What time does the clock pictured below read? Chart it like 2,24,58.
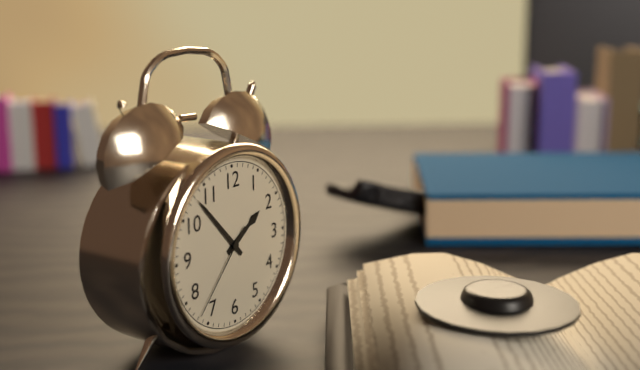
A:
1,53,37
